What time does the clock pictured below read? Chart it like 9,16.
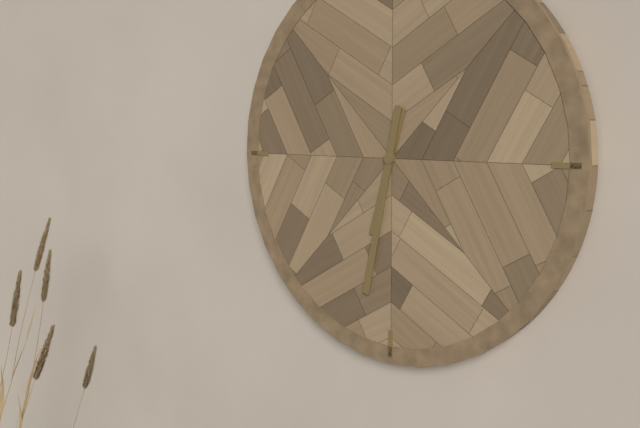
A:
6,32
